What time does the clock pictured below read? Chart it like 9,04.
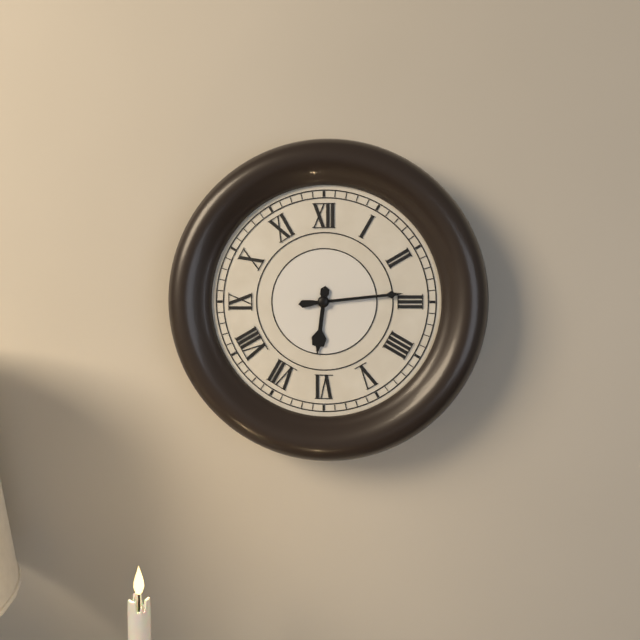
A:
6,14
